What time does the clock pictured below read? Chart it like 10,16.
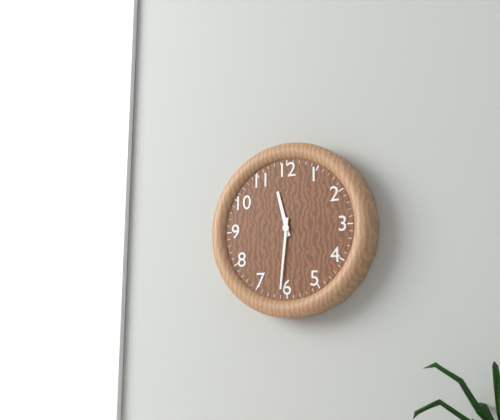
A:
11,31
